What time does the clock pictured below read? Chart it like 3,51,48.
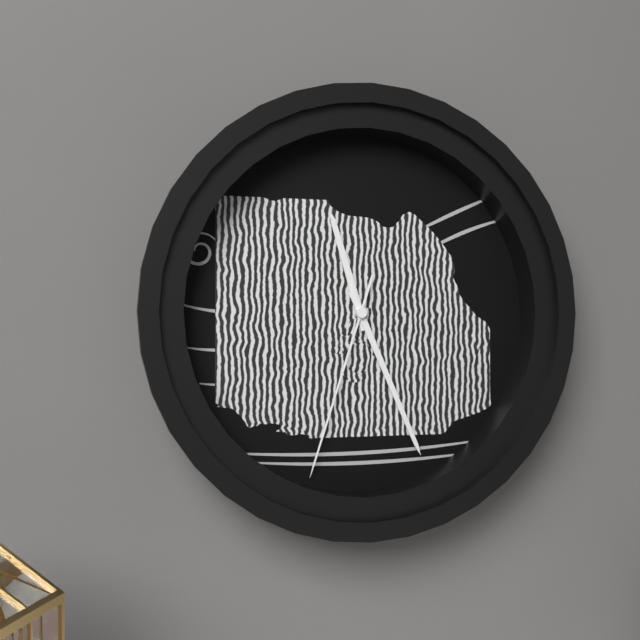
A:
11,26,33
